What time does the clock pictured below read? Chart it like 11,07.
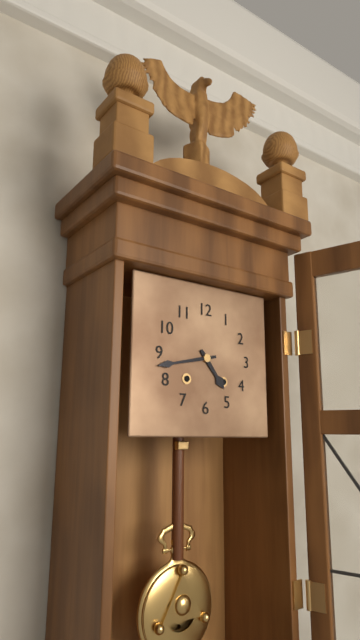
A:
4,43
